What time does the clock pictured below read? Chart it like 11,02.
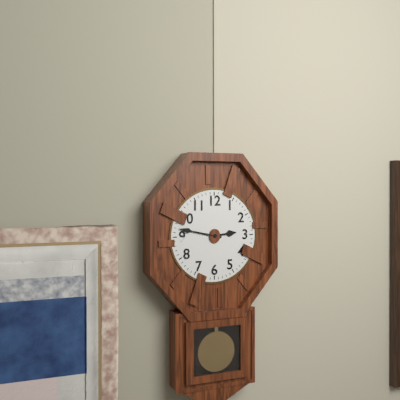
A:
2,47
